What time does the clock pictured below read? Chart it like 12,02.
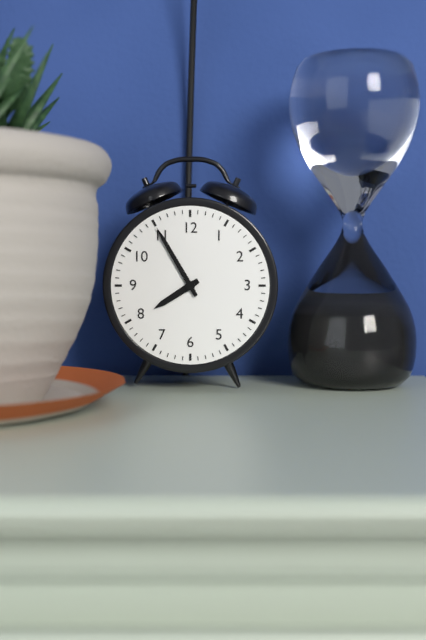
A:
7,55
